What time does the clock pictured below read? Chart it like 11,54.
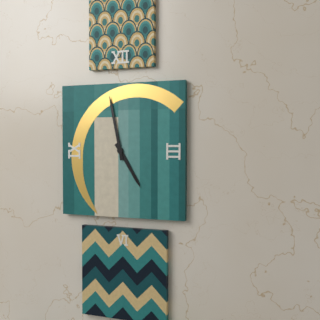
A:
4,58
